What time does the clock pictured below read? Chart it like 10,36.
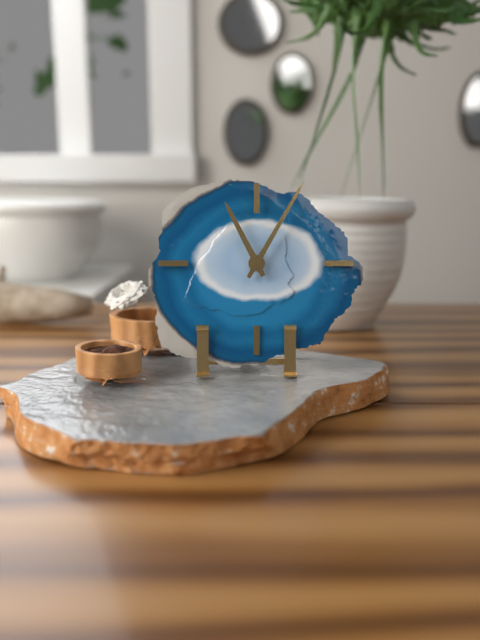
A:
11,05
